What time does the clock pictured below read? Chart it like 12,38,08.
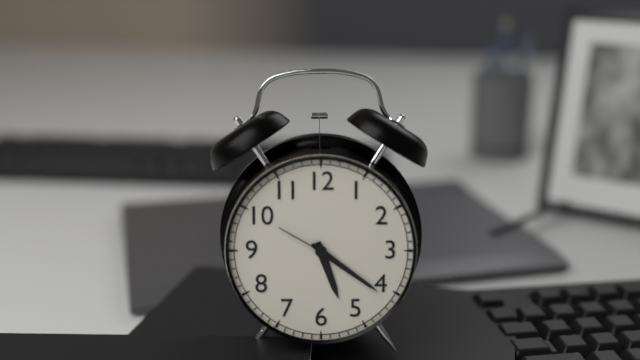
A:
5,21,50
